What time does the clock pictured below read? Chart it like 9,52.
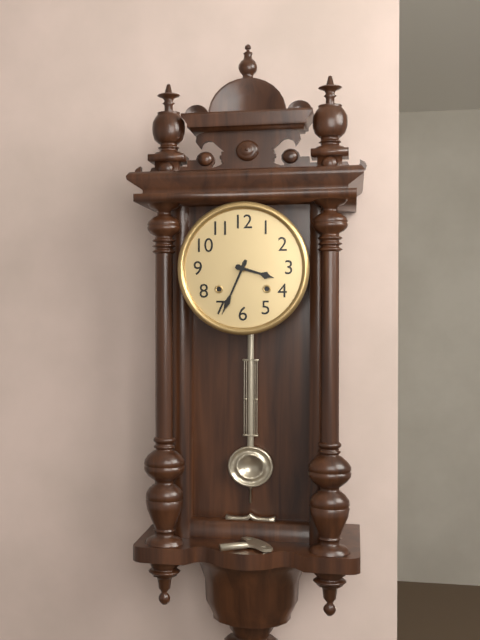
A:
3,34
